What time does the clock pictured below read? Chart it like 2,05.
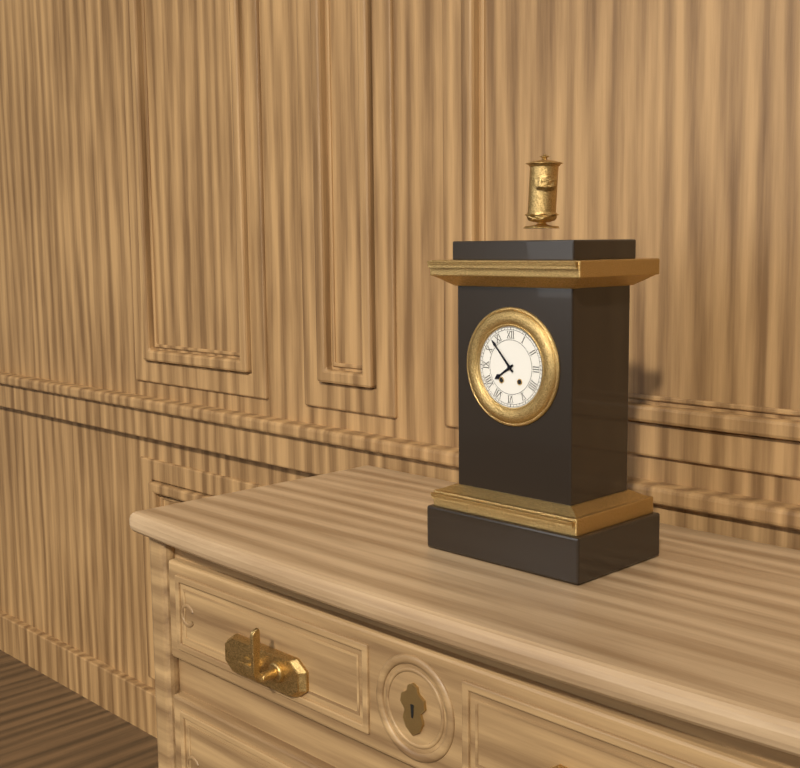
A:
7,53
